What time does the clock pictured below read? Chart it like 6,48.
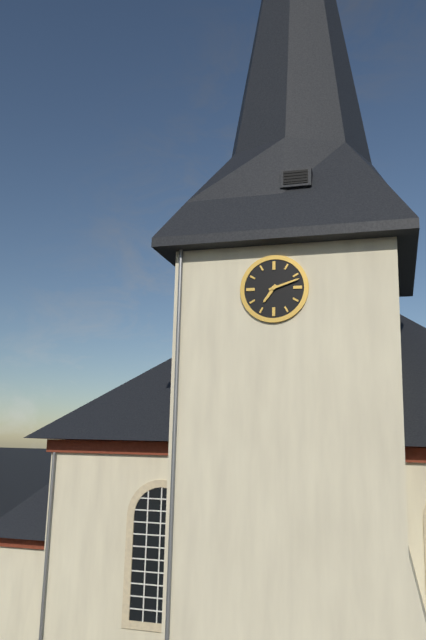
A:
7,12
